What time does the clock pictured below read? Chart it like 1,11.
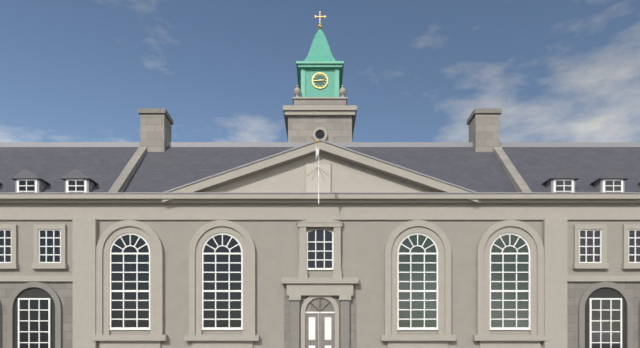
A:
2,44
